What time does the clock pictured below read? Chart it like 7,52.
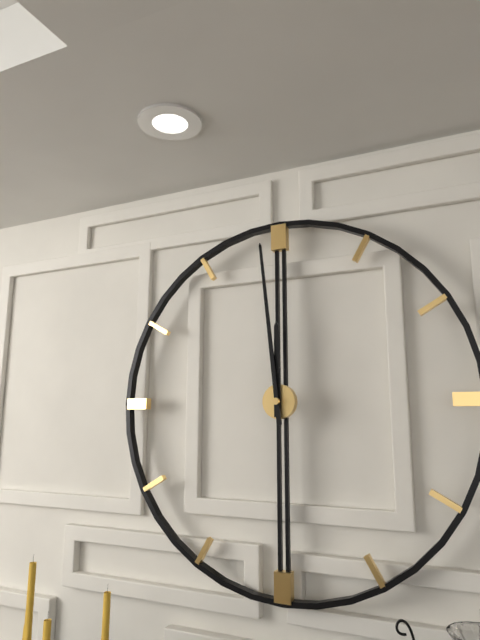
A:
11,59
